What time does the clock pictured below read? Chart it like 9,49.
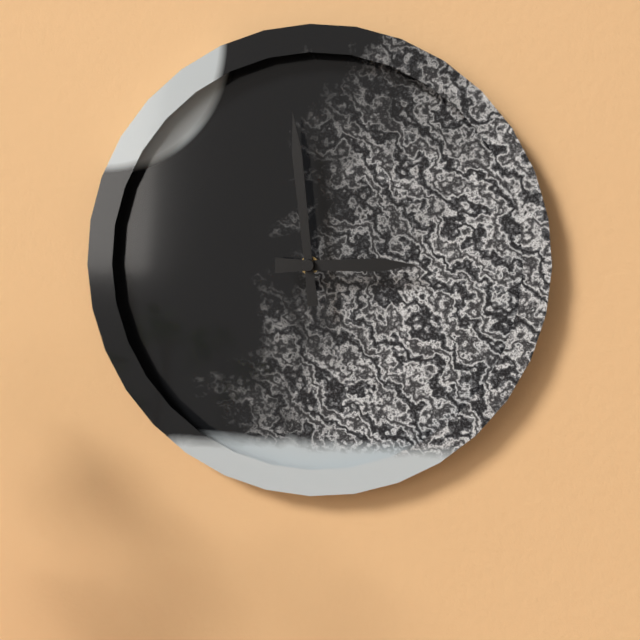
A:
2,59
